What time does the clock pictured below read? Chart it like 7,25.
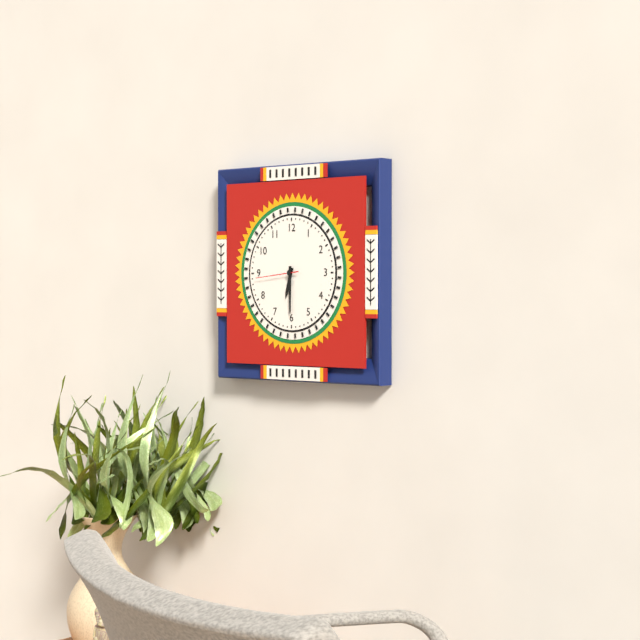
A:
6,30
